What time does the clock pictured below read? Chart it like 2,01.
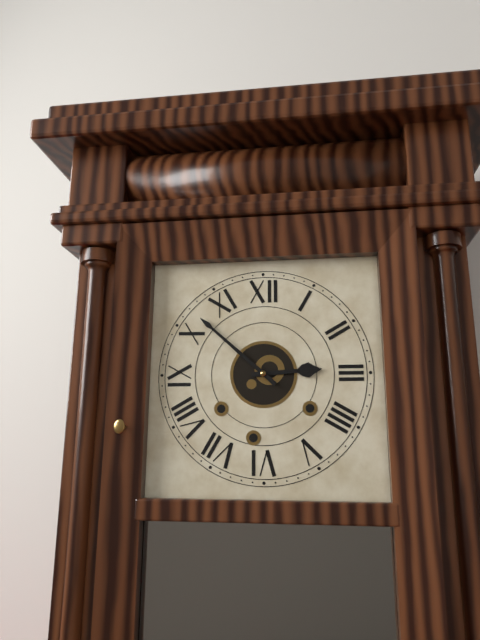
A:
2,52
